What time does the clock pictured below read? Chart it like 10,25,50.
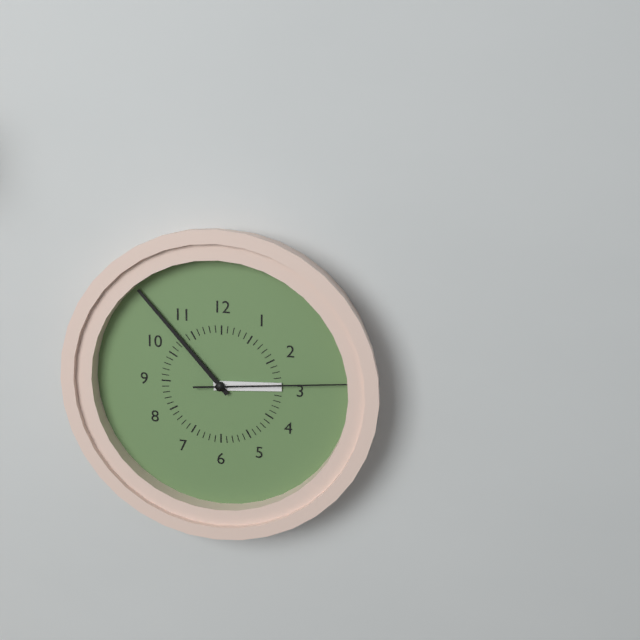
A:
2,53,14
